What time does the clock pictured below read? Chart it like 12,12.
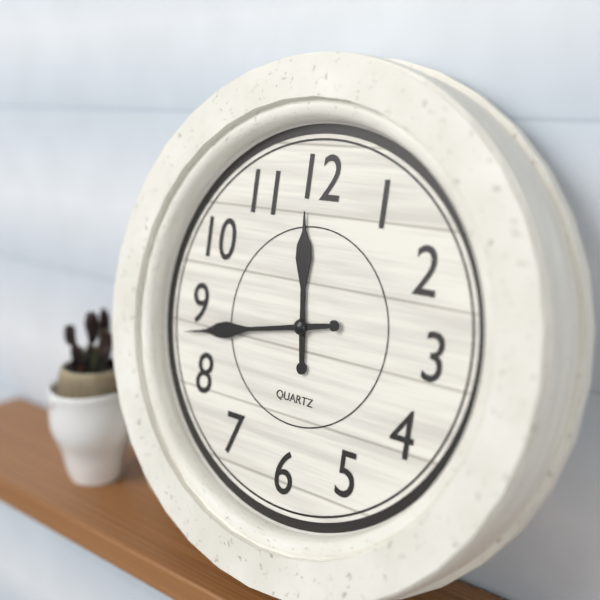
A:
11,43
